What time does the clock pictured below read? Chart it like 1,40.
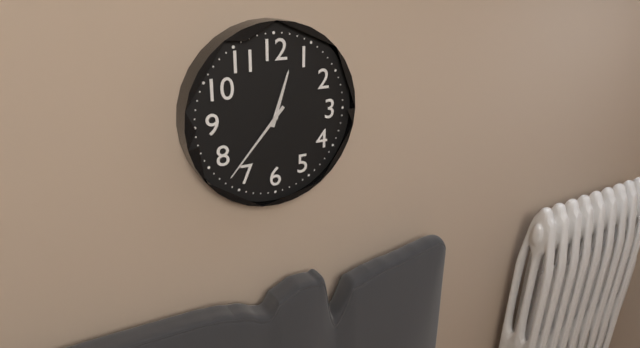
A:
12,37
